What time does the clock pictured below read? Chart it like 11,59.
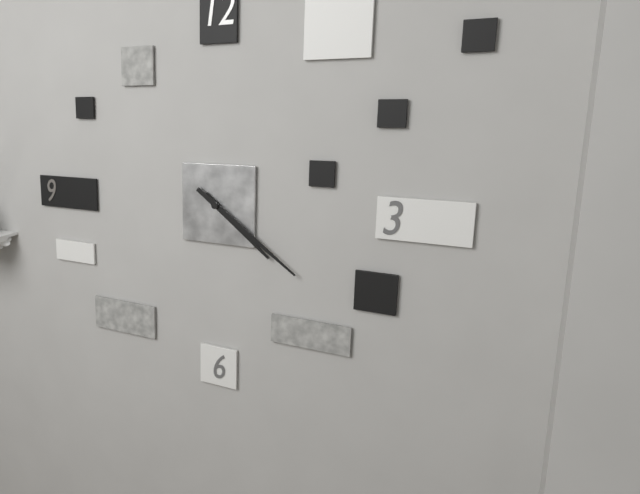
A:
4,21
